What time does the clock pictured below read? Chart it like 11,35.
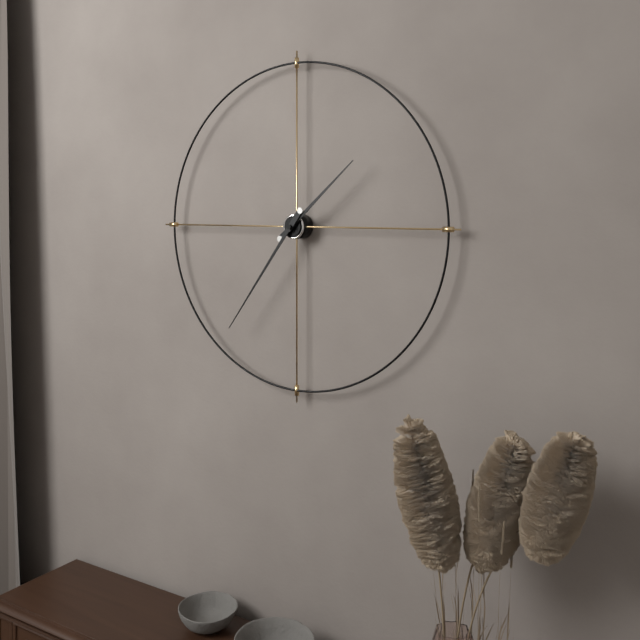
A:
1,36
